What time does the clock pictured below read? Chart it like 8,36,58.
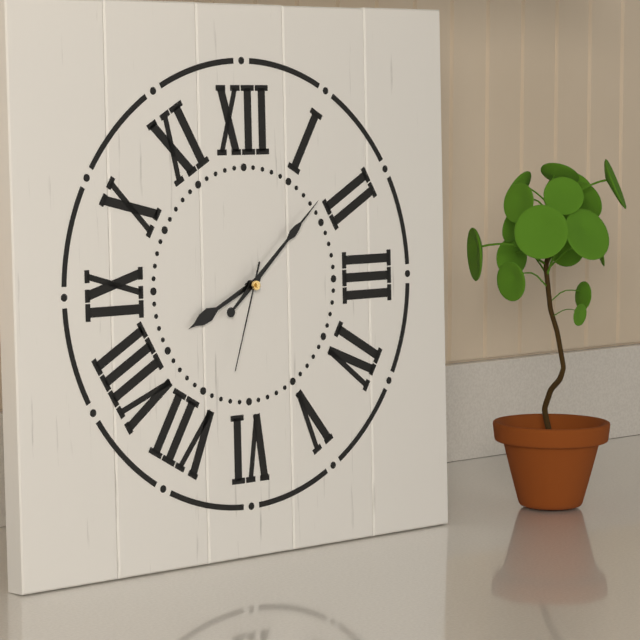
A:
8,08,33
